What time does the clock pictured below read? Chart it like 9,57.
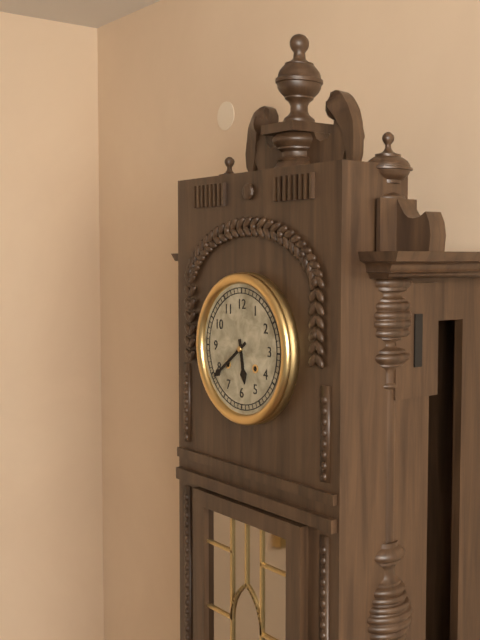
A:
5,39
